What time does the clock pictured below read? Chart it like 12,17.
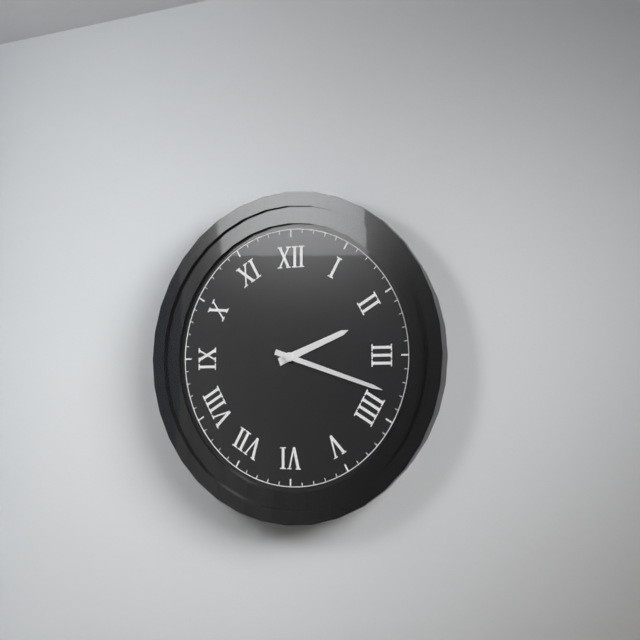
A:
2,18
